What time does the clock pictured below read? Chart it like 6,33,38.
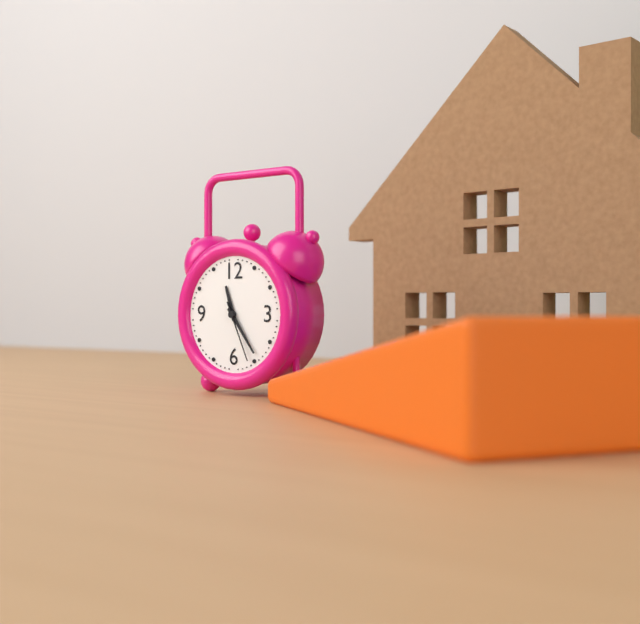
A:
11,24,26
